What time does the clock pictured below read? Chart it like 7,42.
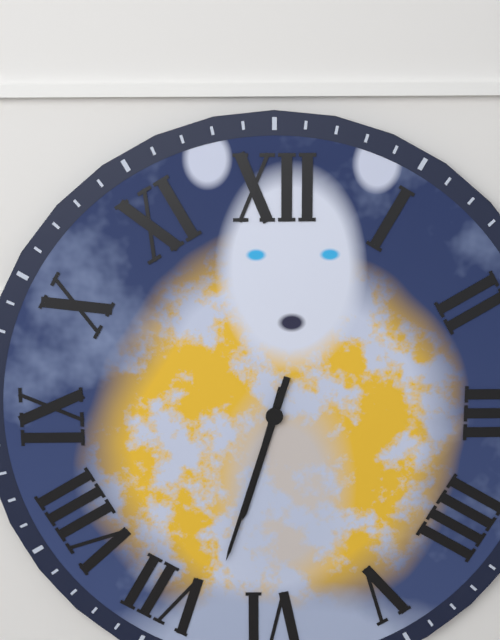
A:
6,33
